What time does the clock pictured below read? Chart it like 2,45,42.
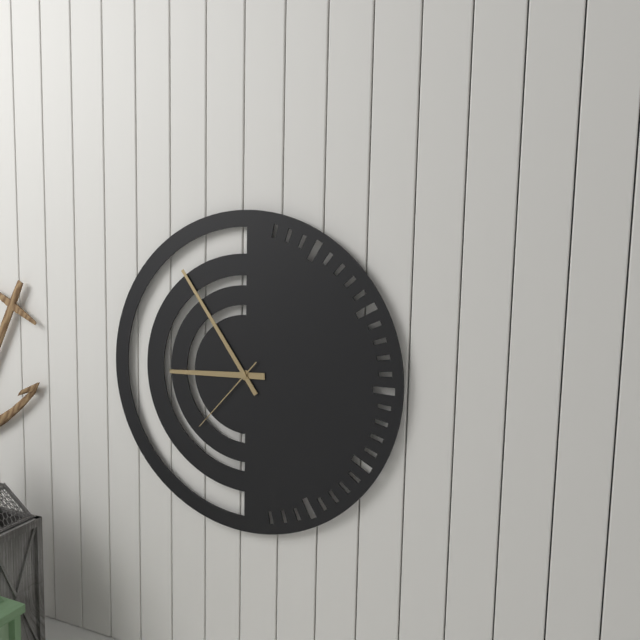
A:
8,54,37
